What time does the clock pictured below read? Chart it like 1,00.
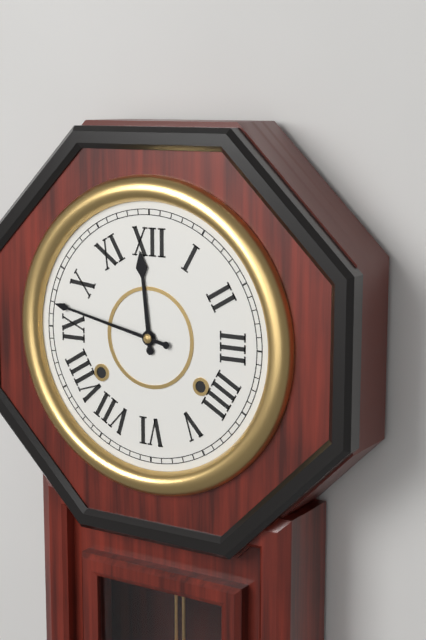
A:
11,47
